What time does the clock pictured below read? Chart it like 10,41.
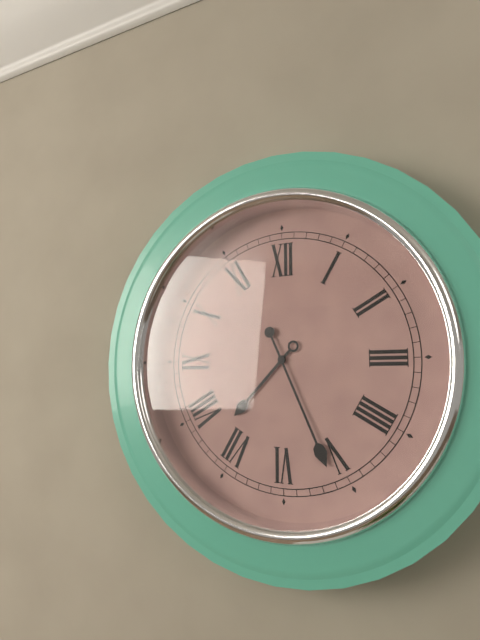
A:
7,26
